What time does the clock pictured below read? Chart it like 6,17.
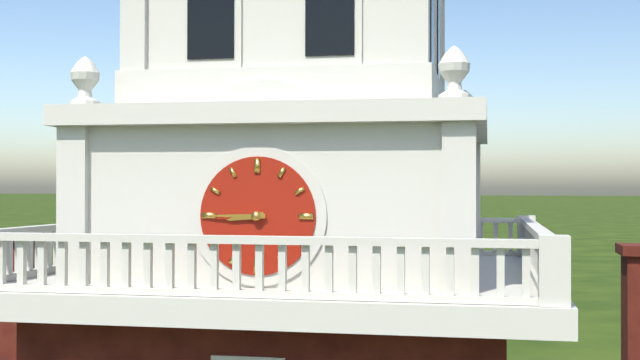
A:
8,45
